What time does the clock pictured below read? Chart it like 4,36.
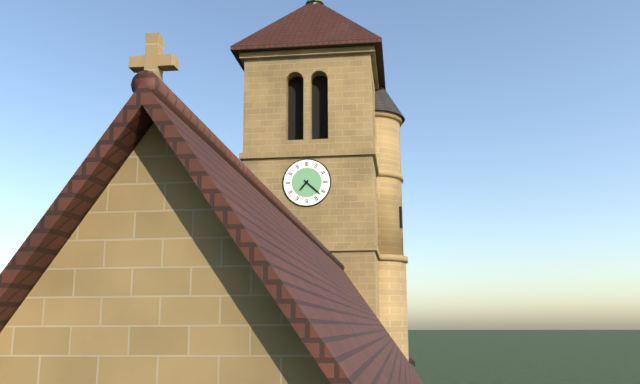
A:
7,22
